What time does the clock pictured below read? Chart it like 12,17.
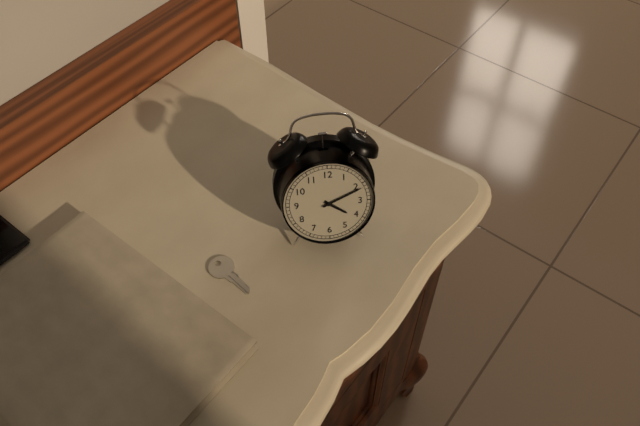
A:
4,11
